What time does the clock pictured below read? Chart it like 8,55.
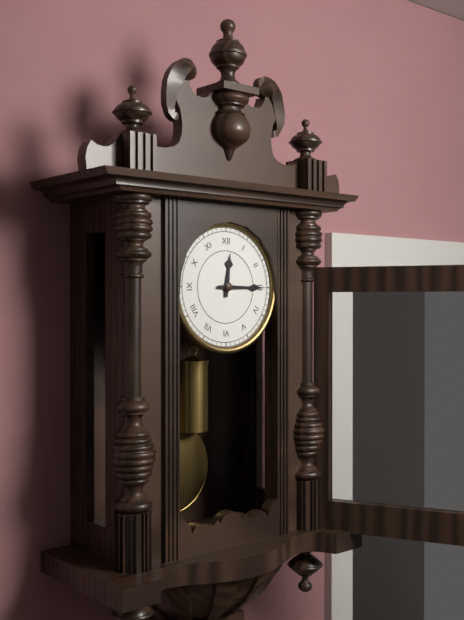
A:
12,15
